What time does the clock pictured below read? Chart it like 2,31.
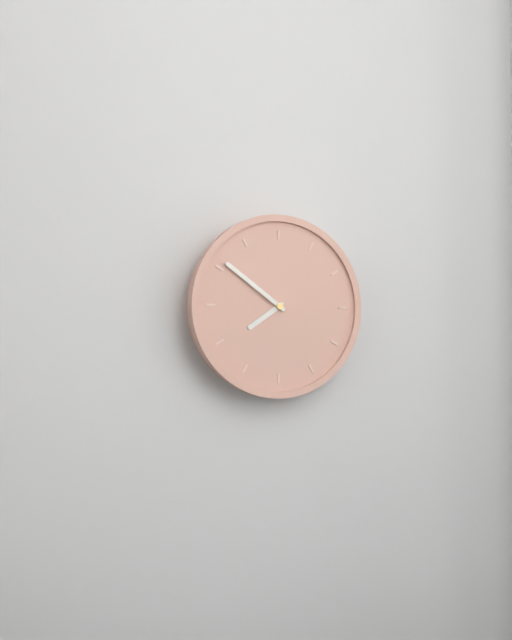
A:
7,51
